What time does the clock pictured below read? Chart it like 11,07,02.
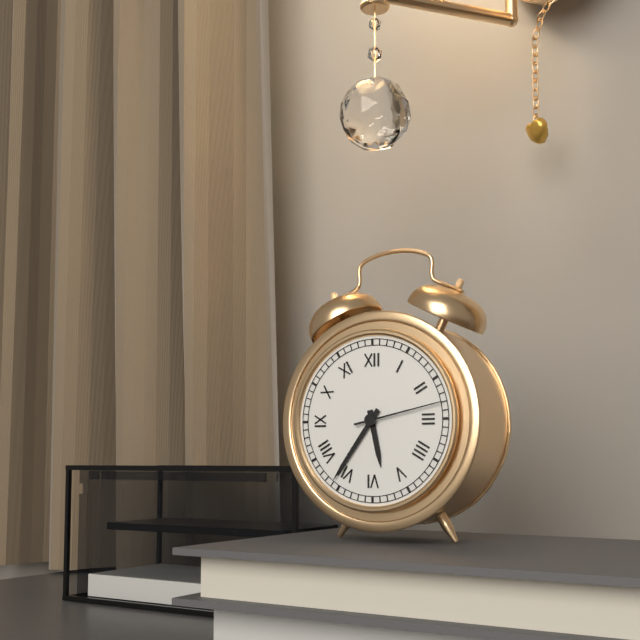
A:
5,36,13
